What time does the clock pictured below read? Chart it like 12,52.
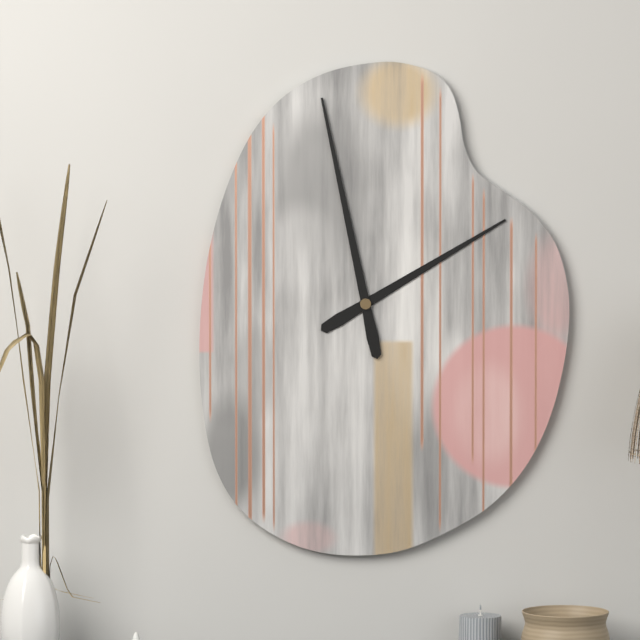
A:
1,58
